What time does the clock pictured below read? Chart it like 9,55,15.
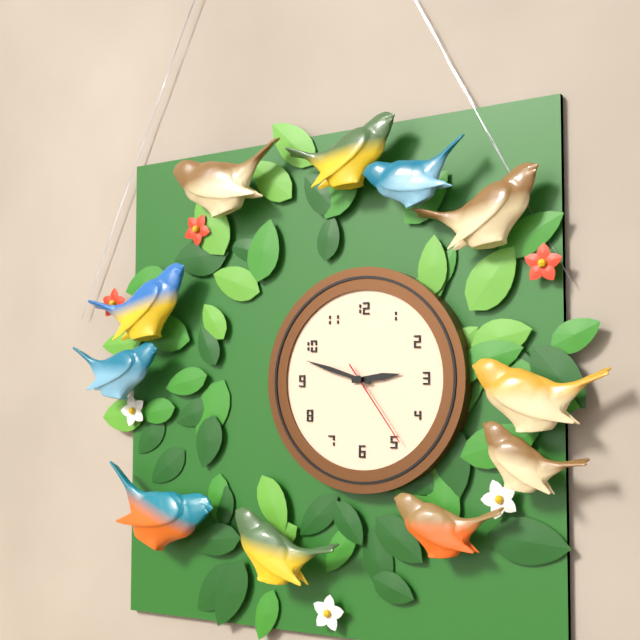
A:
2,48,24
